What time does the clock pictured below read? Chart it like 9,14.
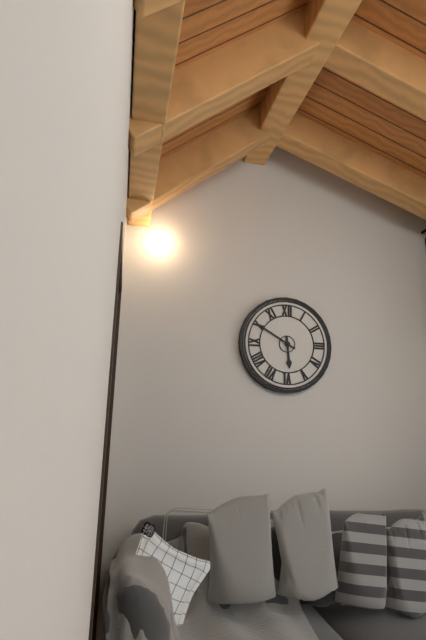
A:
5,50
